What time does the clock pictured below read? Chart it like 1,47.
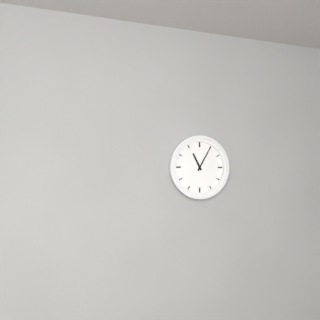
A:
11,05
